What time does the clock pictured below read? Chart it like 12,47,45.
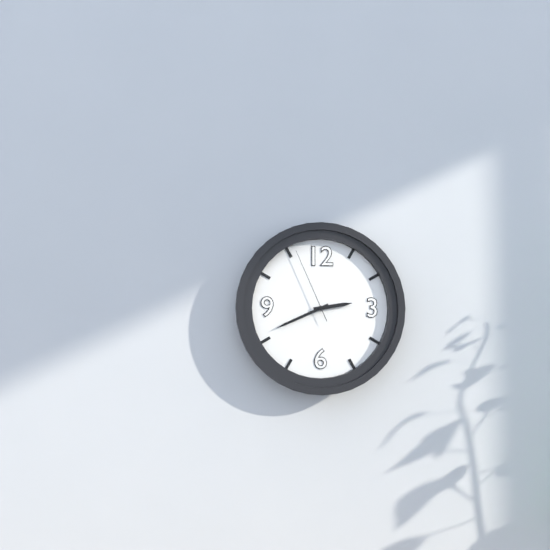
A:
2,41,56
